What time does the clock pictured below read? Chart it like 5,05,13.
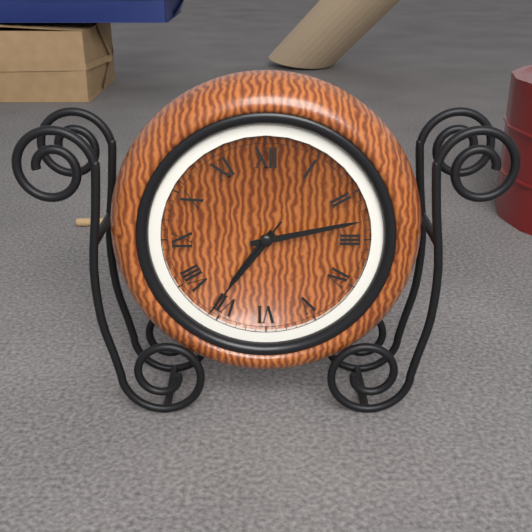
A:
7,13,36
